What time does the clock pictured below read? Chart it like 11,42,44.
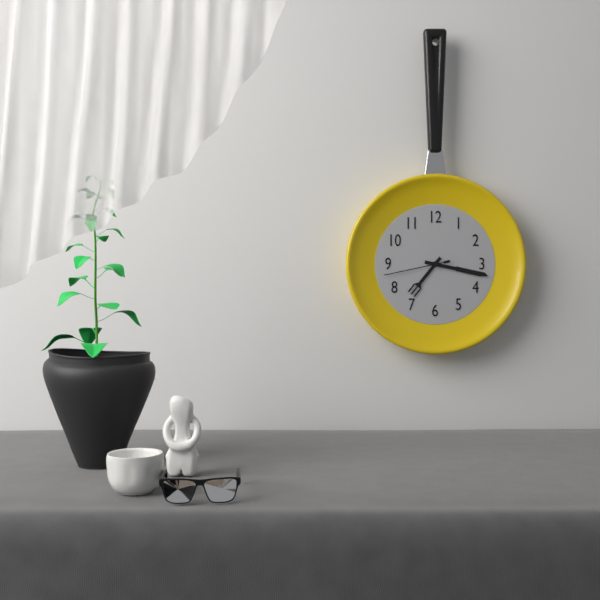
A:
7,17,43
